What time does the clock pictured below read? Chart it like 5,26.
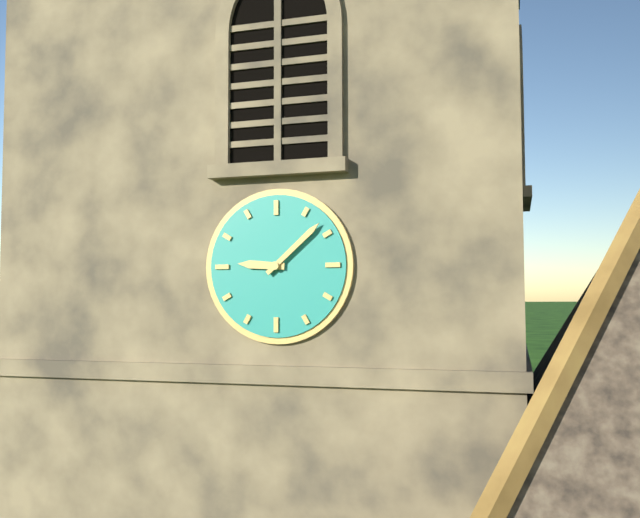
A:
9,08
